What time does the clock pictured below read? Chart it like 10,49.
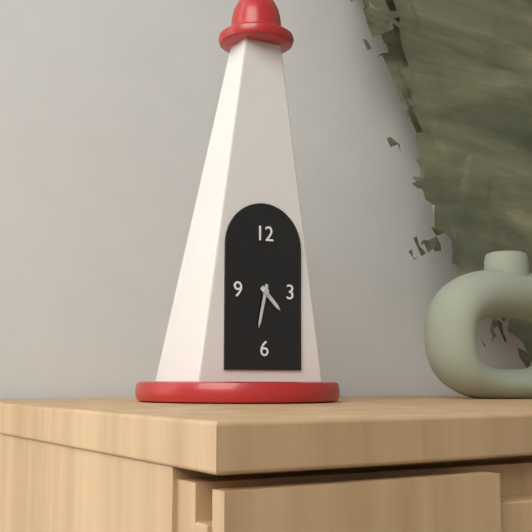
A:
4,32
